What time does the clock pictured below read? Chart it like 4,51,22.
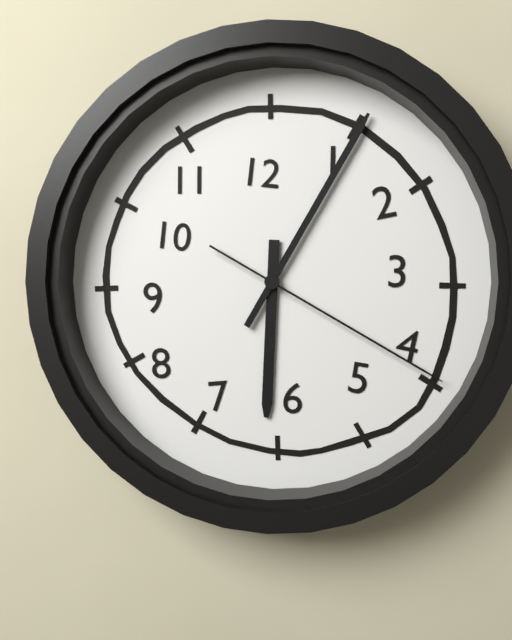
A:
6,05,20
